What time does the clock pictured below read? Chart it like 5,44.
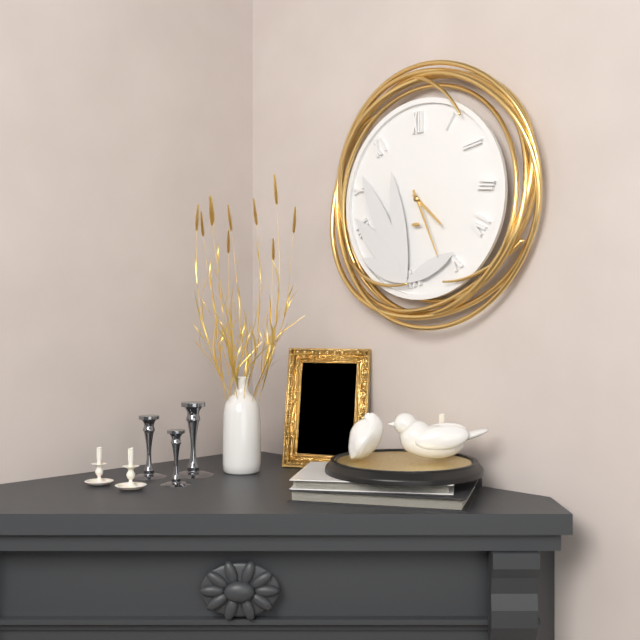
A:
4,26
